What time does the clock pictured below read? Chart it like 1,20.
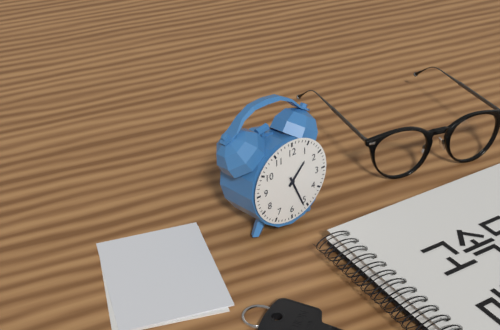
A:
1,26
